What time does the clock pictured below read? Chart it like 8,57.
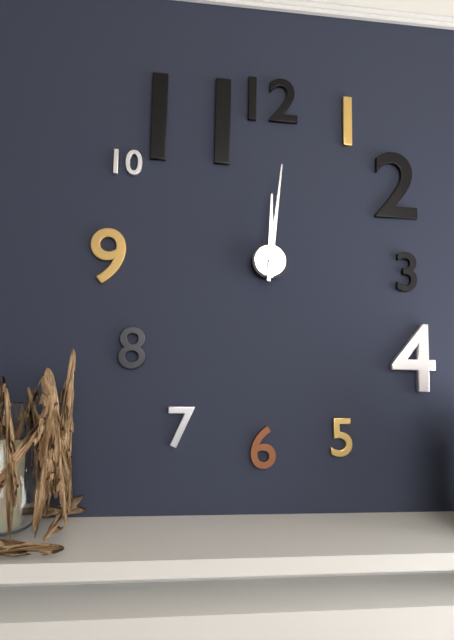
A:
12,01
